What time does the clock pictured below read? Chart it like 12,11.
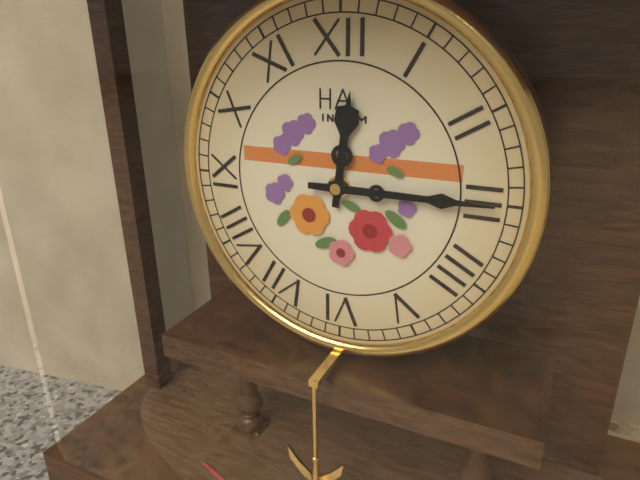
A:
12,15
